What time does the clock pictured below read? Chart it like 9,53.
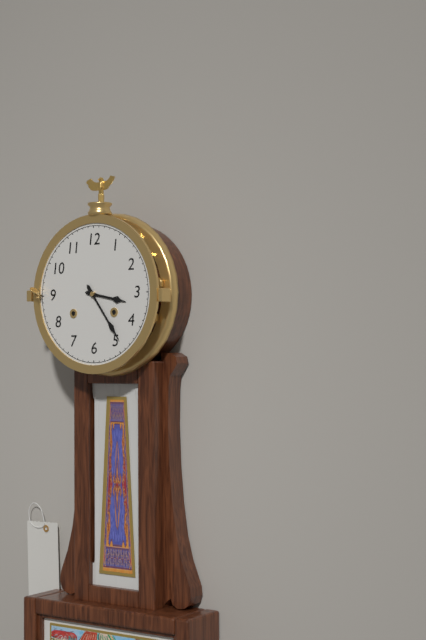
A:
3,24
